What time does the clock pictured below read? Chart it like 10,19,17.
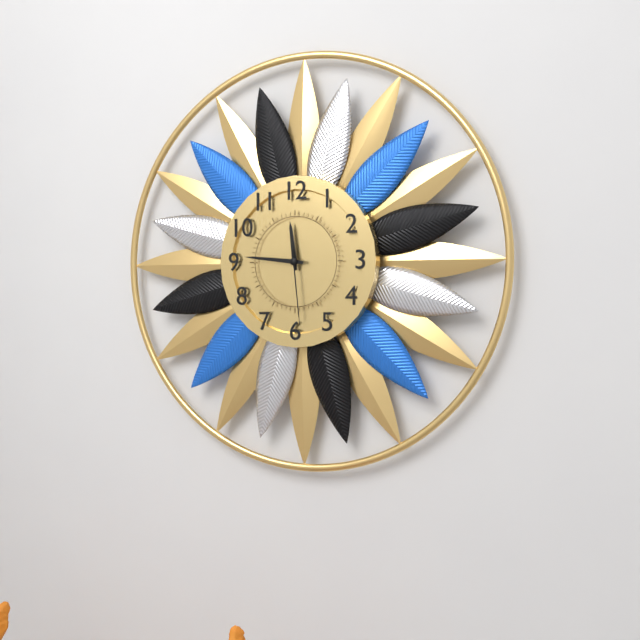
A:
11,46,29
